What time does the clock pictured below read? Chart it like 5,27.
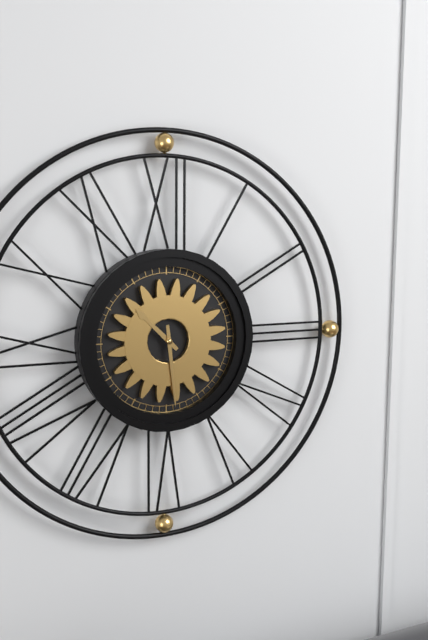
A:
10,29
